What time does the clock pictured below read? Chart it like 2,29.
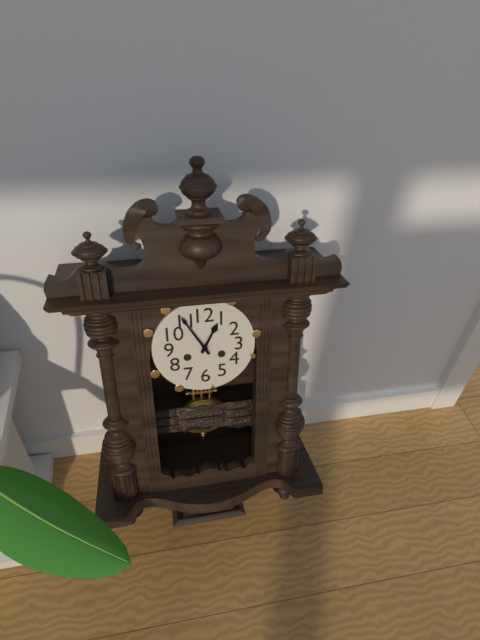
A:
12,55
